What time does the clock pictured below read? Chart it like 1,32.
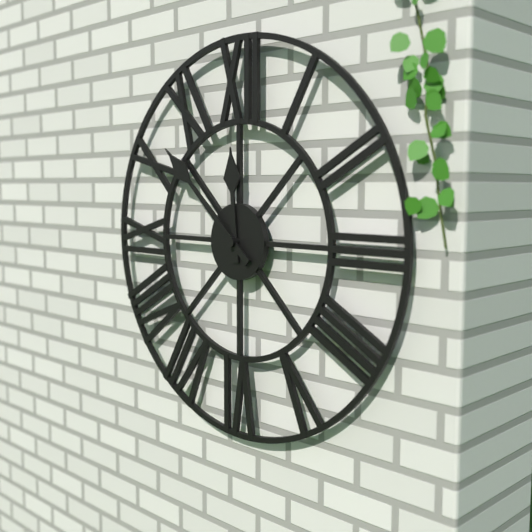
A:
11,52
